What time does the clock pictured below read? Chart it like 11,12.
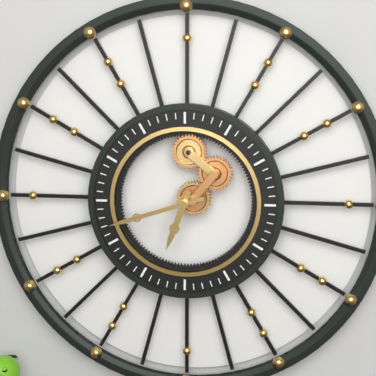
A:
6,42
